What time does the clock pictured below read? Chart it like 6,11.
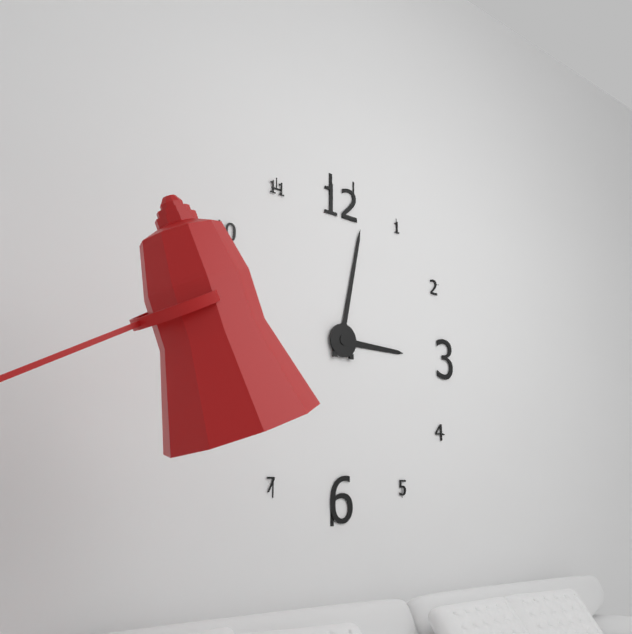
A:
3,02
